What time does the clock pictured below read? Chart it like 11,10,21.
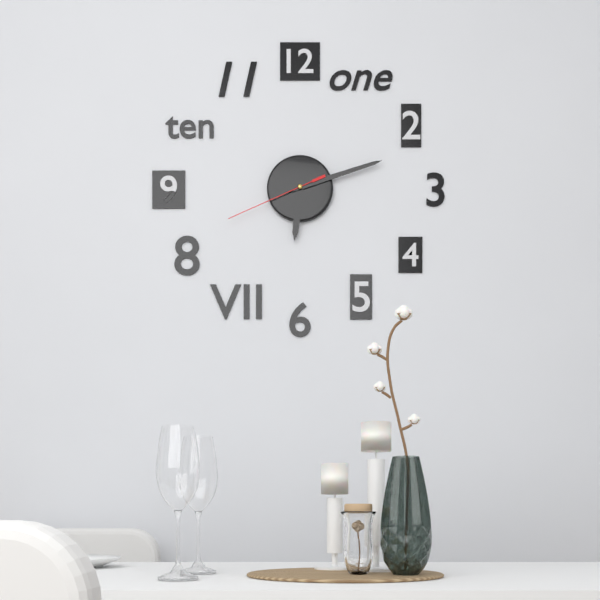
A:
6,12,41
